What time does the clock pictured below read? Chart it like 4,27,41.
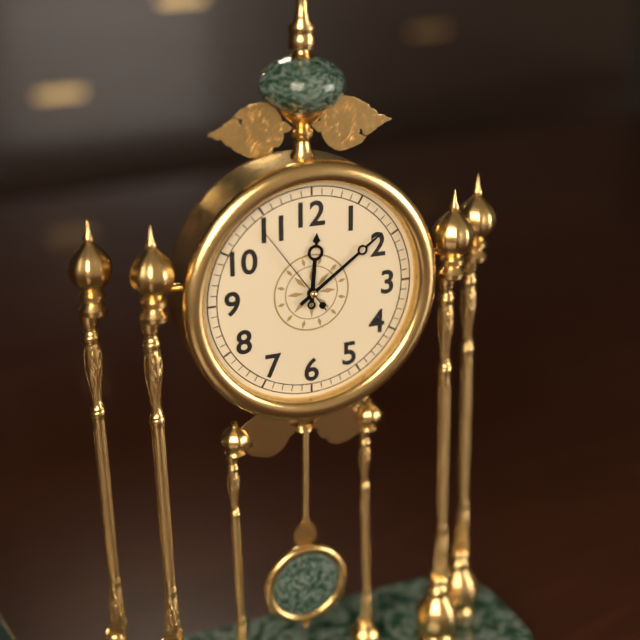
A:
12,09,54
